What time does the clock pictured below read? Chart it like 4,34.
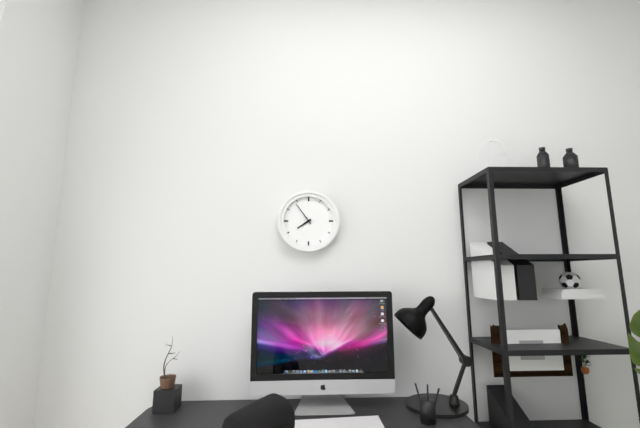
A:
7,54
